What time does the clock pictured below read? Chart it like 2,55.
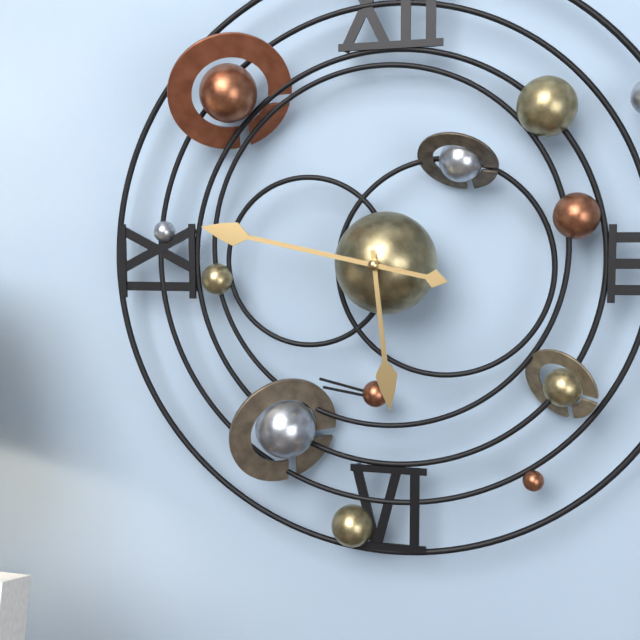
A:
5,47
